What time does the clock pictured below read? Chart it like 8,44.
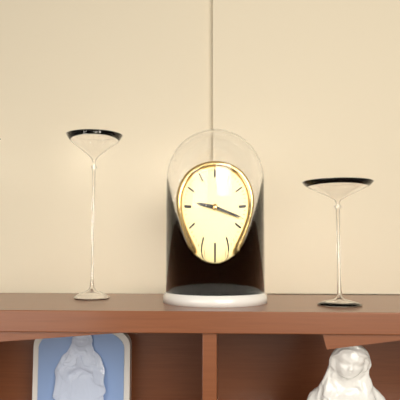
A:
9,18
